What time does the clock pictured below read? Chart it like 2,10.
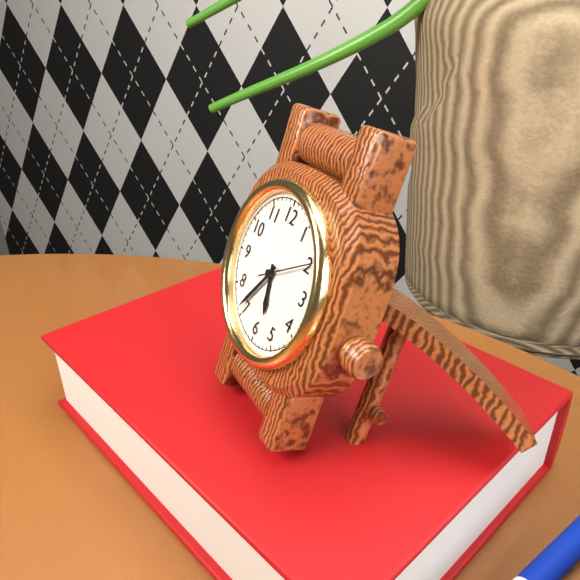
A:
5,36
